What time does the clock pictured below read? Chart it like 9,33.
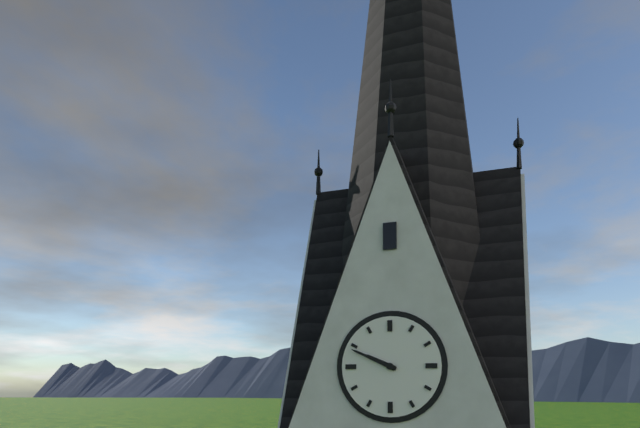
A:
9,49
